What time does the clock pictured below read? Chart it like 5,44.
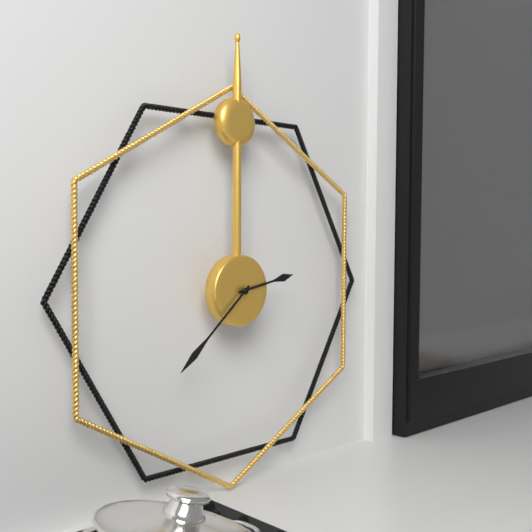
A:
2,38
